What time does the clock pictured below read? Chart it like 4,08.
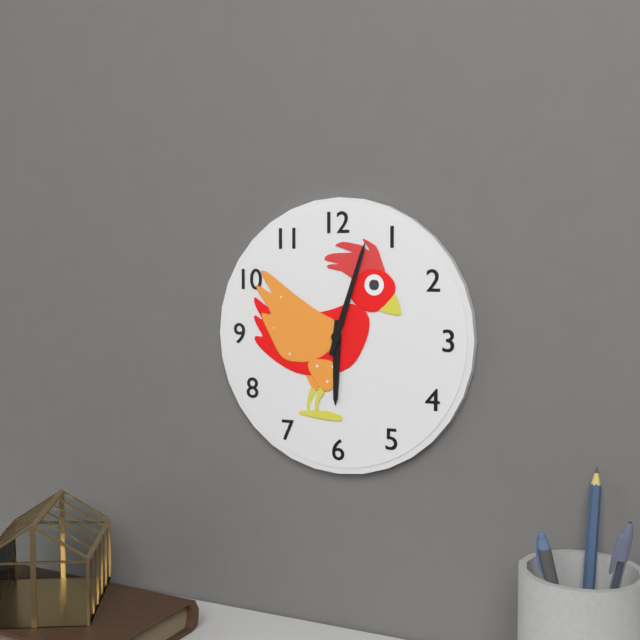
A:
6,03
